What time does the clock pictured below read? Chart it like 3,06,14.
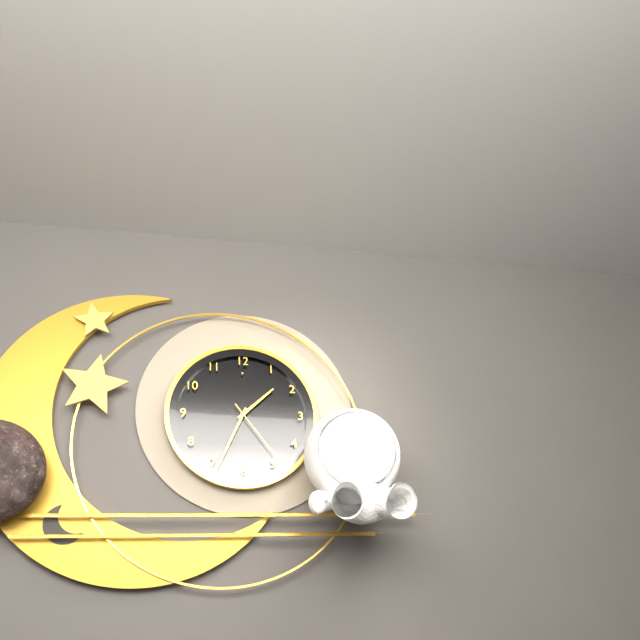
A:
1,34,24
